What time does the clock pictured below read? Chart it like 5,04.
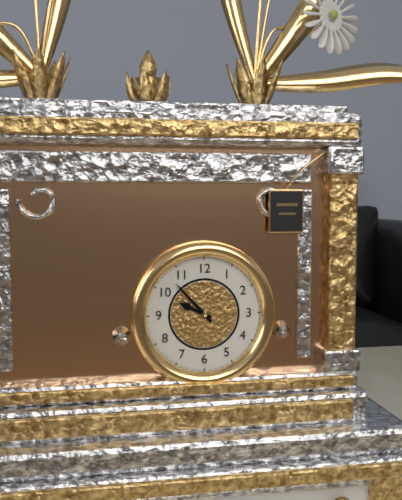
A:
9,53
